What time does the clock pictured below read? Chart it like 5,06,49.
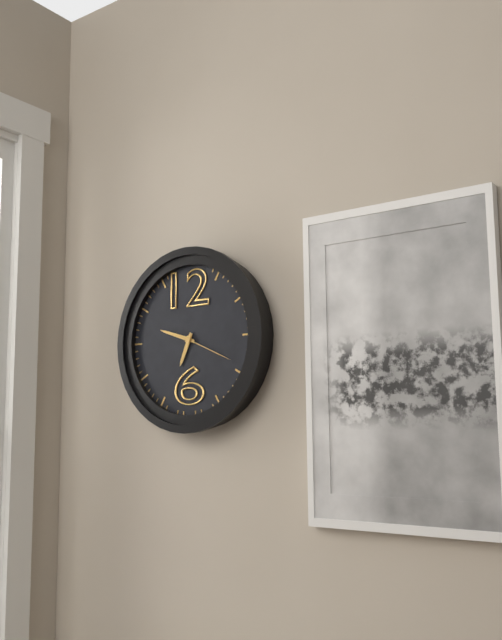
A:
6,48,19
